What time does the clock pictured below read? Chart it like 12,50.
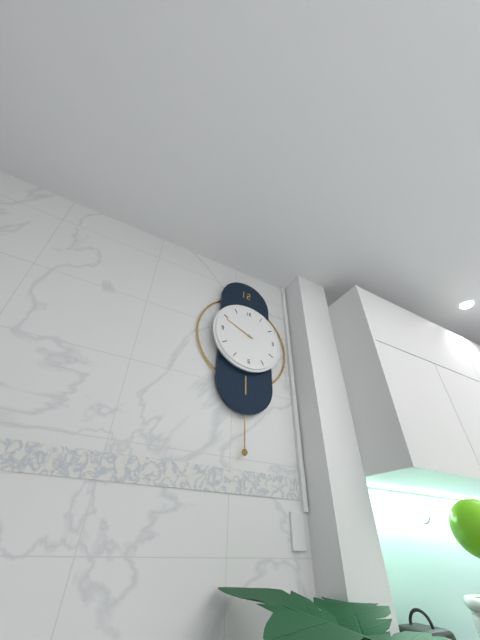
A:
9,49
